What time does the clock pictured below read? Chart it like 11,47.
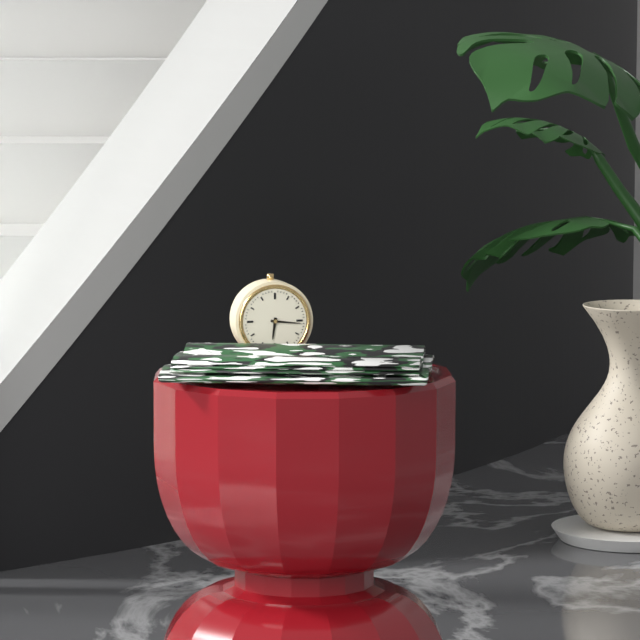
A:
6,16
